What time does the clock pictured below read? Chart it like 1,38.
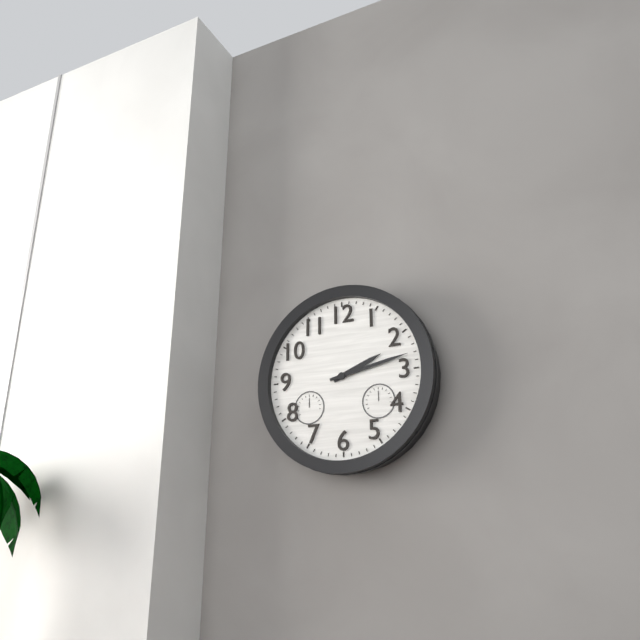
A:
2,13
